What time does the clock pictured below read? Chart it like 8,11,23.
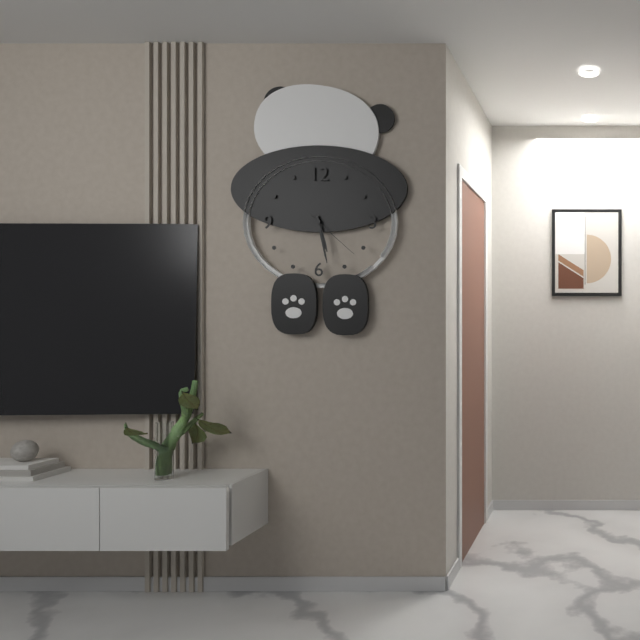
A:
5,28,22
